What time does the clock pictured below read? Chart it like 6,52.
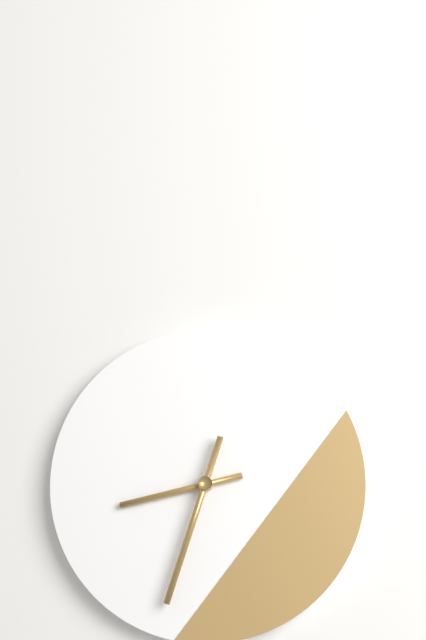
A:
8,33
